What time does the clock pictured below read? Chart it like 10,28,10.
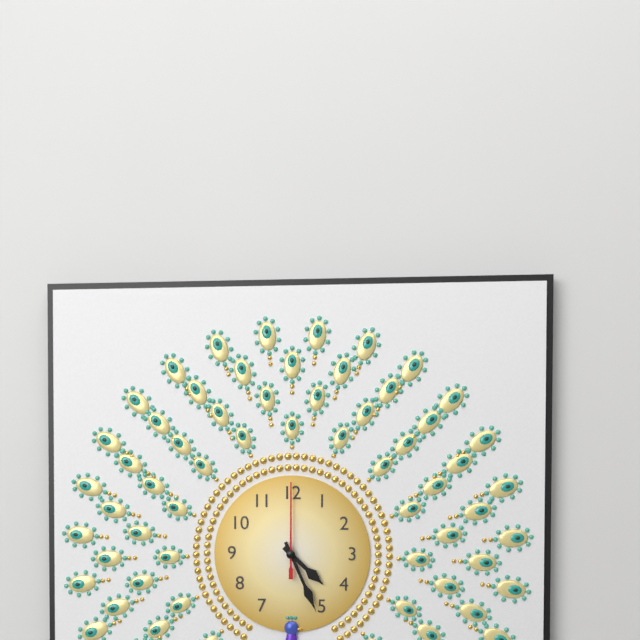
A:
4,26,00
